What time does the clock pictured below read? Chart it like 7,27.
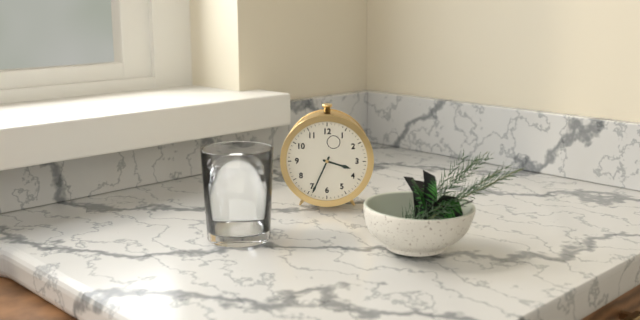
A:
3,34
